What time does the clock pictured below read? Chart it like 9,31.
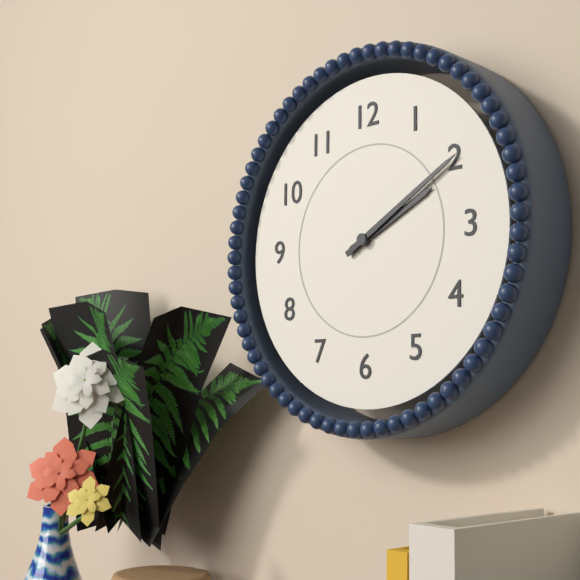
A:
2,10
